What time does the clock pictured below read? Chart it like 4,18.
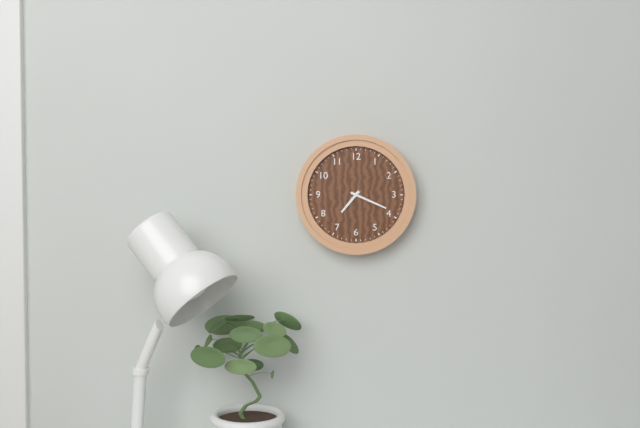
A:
7,19
